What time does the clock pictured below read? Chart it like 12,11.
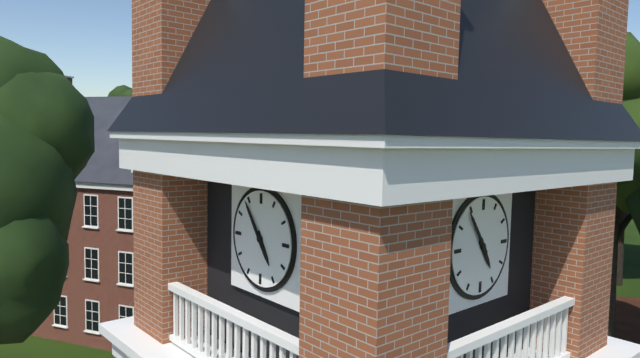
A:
4,54
